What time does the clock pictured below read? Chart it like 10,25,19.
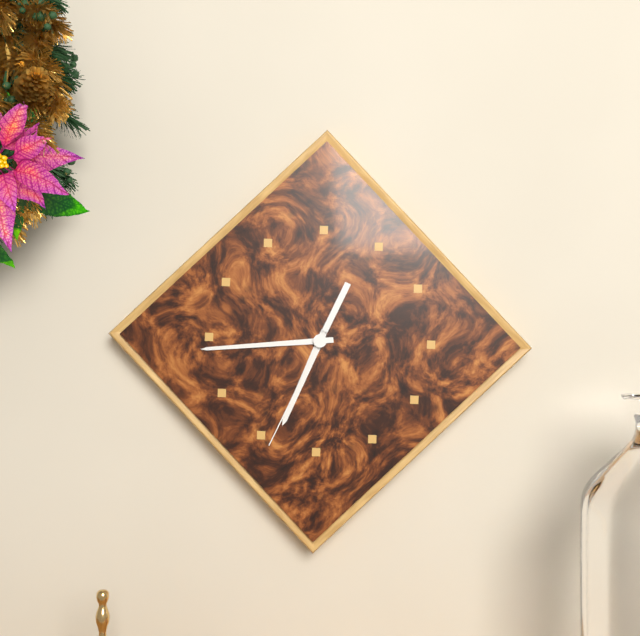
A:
6,44,34
